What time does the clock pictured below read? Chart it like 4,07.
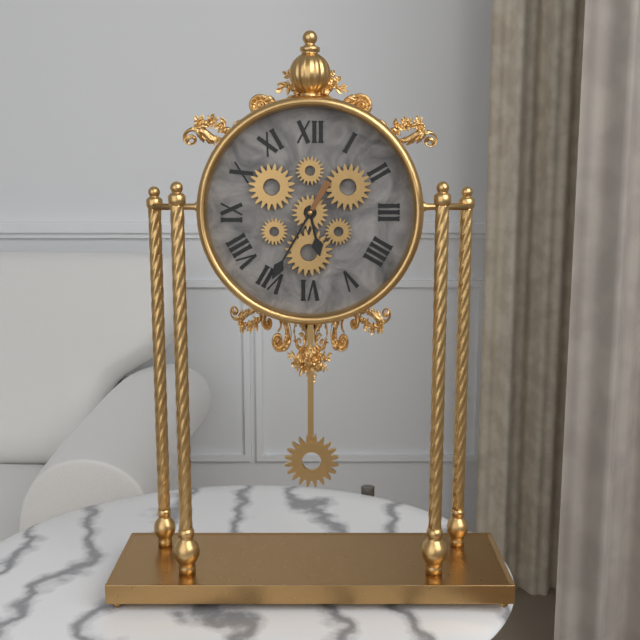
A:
5,35
